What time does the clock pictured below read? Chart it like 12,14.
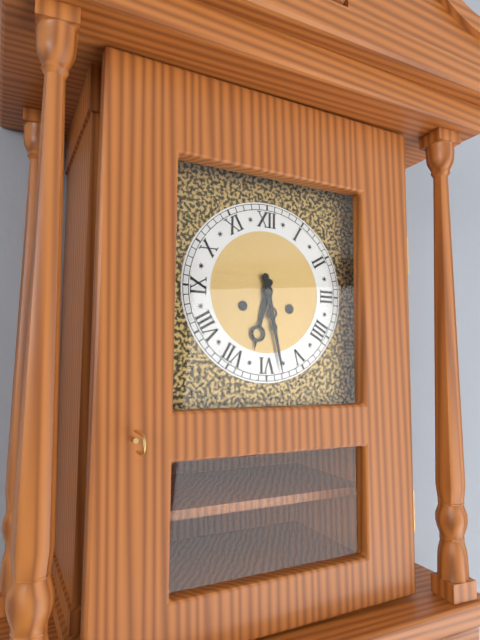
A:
6,28
